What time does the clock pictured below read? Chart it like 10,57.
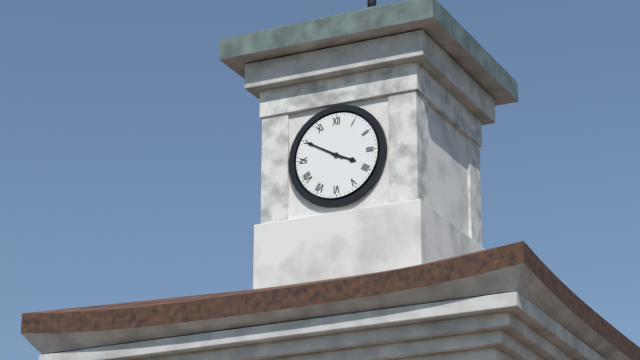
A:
3,50
